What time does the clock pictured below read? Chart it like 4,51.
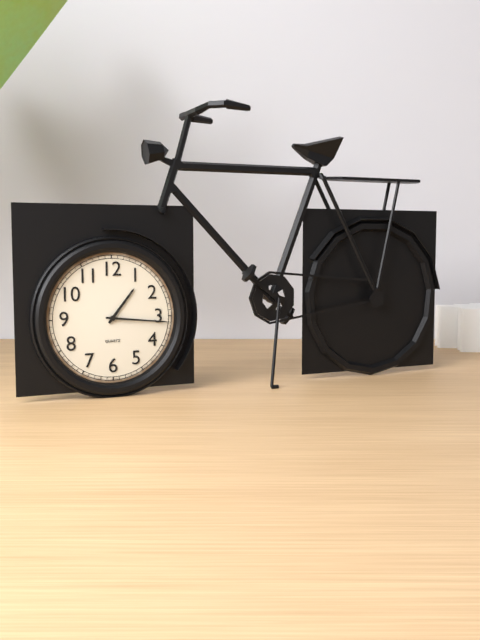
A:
1,16
